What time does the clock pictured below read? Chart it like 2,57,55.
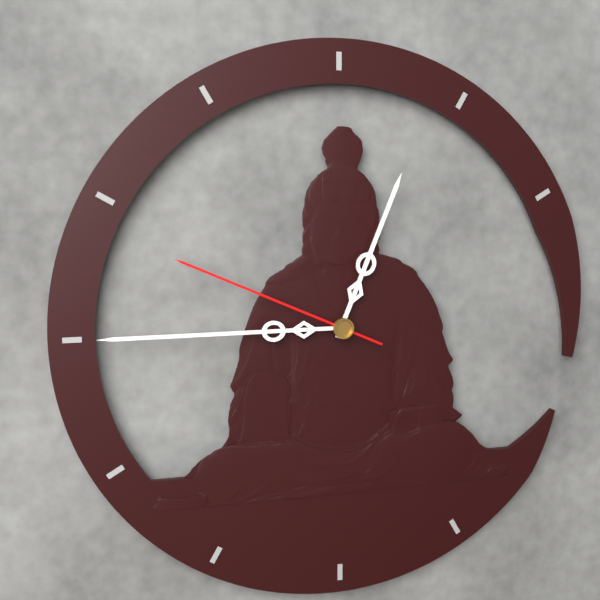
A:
12,45,49
